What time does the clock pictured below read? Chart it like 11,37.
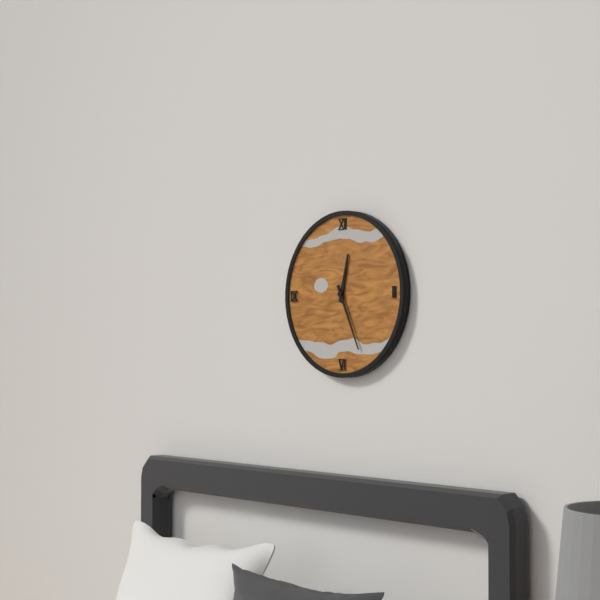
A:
12,26
